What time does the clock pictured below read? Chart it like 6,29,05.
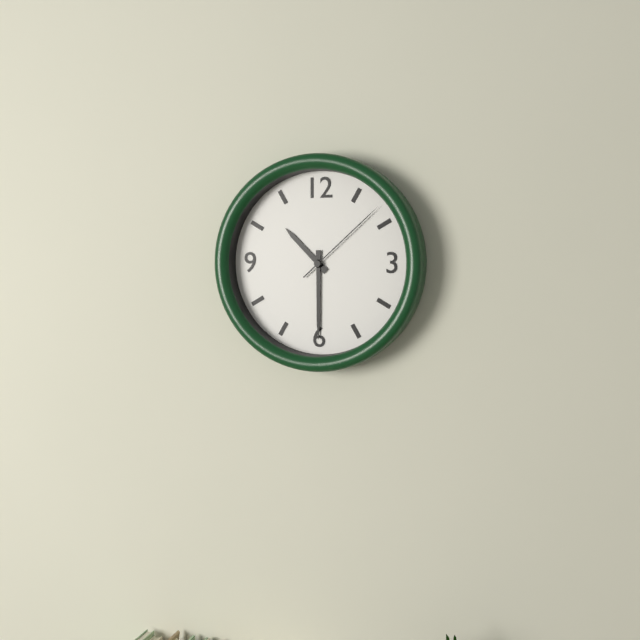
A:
10,30,08
